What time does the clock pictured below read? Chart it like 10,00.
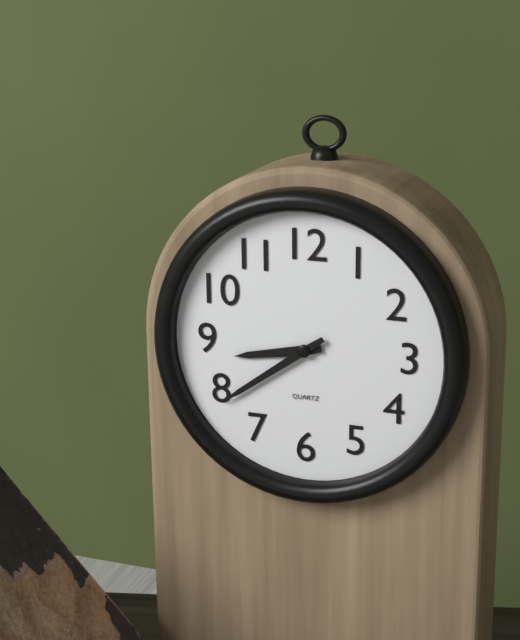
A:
8,39
